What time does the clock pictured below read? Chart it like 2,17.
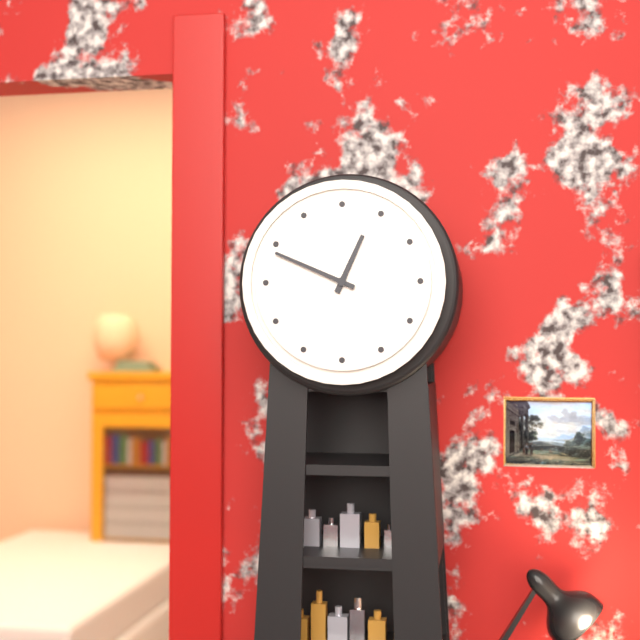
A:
12,49
